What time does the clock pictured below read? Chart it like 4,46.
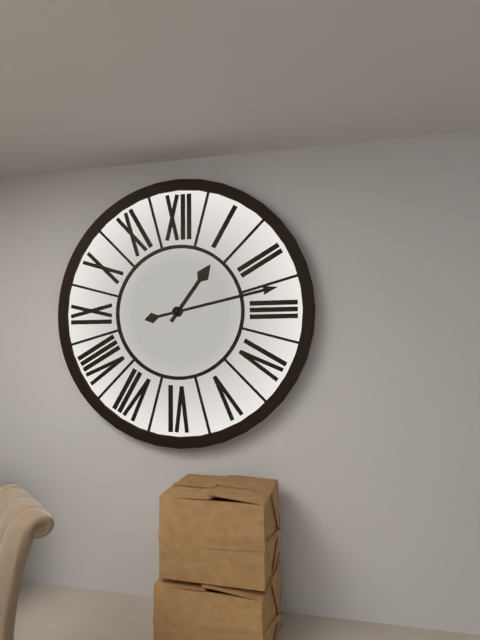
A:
1,13
